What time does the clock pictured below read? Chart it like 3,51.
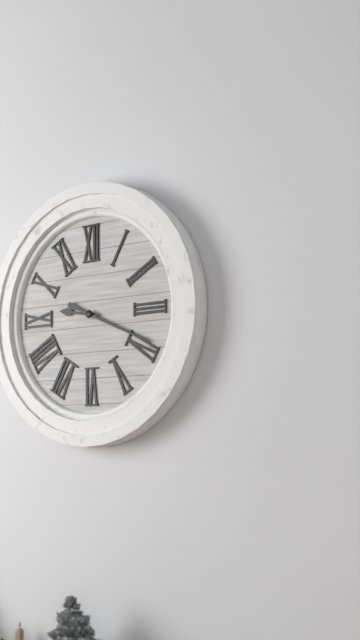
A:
9,19
